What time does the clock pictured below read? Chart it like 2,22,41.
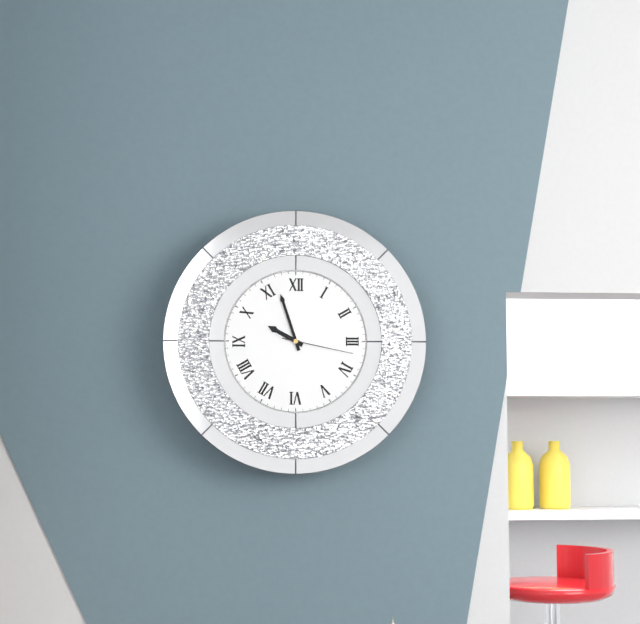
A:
9,57,17
